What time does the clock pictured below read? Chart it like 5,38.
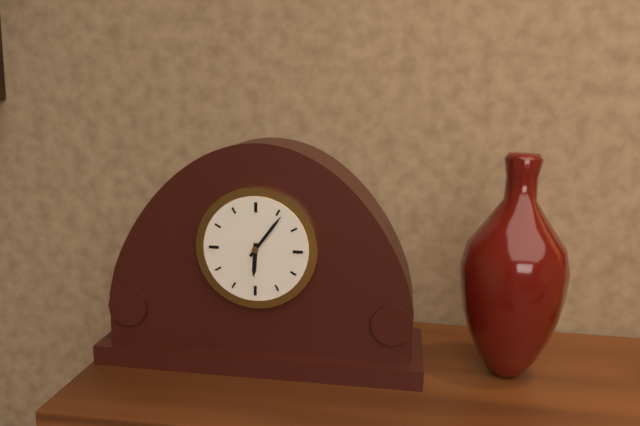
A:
6,06
